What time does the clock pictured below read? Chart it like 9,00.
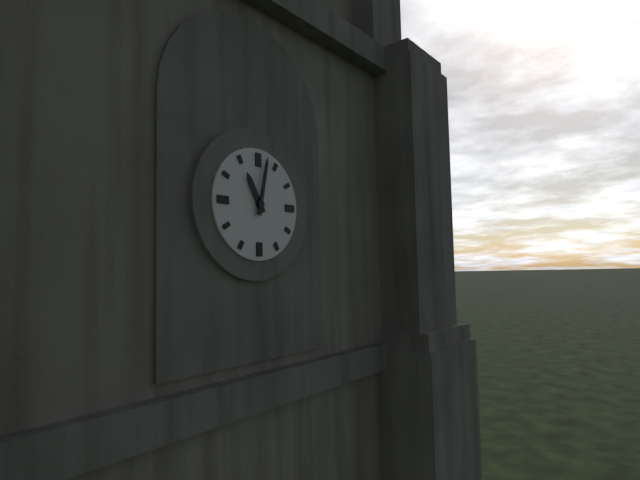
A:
11,02
